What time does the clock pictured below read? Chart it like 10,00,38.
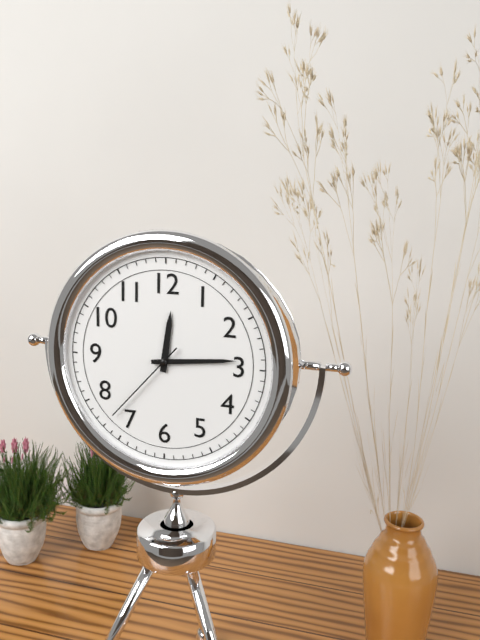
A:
12,14,37
